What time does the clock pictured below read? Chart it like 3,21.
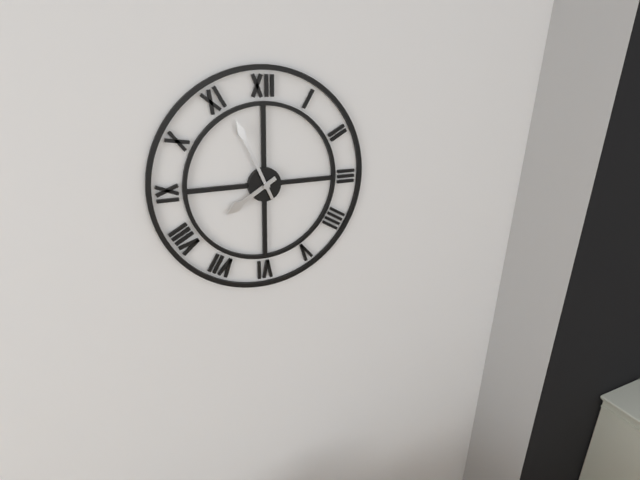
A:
7,56
